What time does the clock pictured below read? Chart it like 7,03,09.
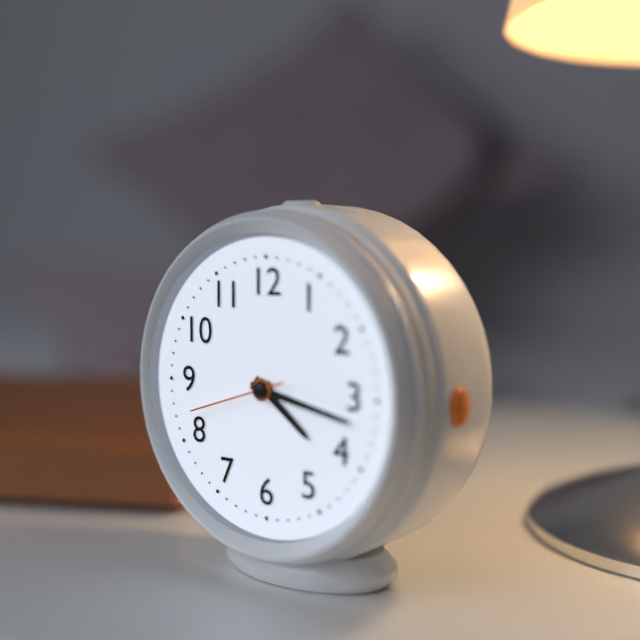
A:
4,17,42
